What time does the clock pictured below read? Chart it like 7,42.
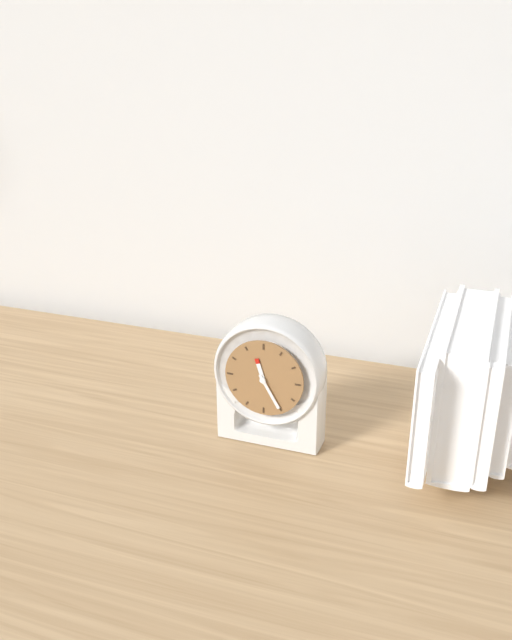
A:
11,25
